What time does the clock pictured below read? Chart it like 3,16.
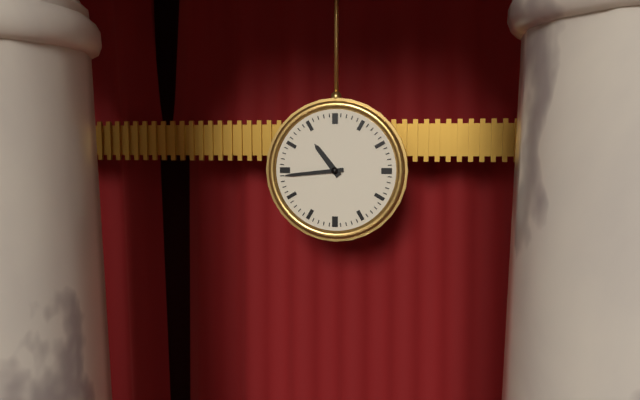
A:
10,44
